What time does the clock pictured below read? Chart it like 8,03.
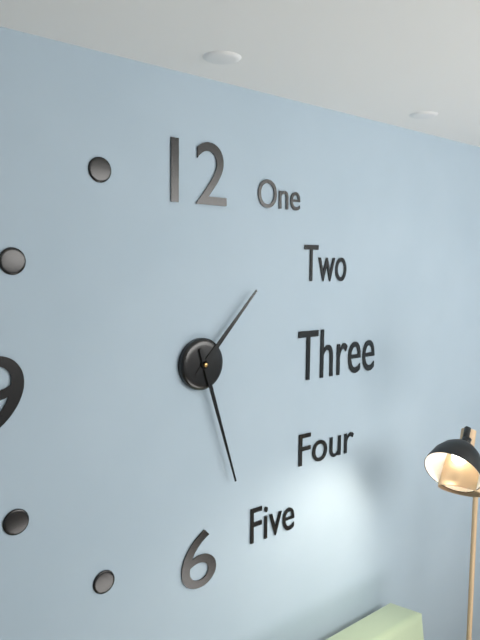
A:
1,27
